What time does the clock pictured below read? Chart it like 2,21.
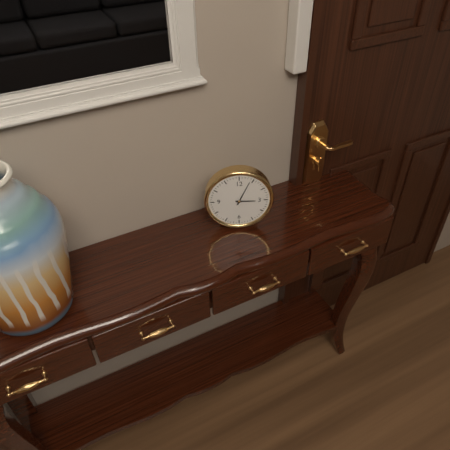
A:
3,04
